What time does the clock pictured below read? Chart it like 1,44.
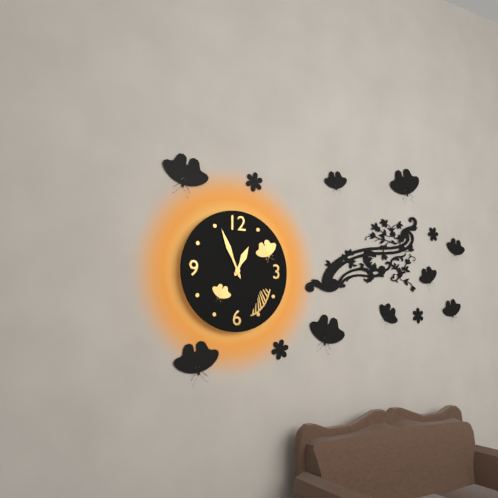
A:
12,56
